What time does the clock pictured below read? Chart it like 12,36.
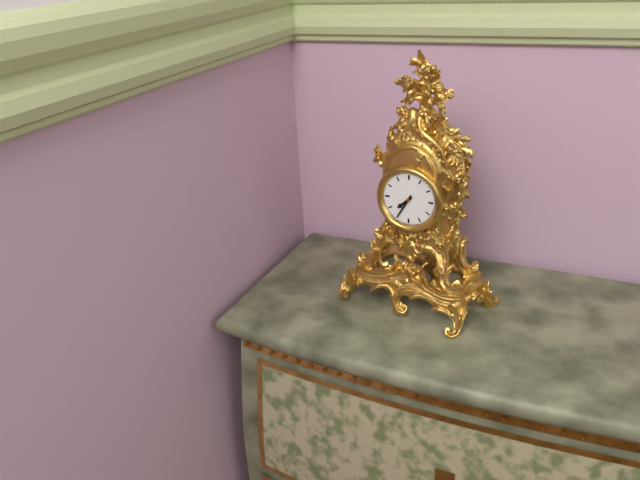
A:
7,35
